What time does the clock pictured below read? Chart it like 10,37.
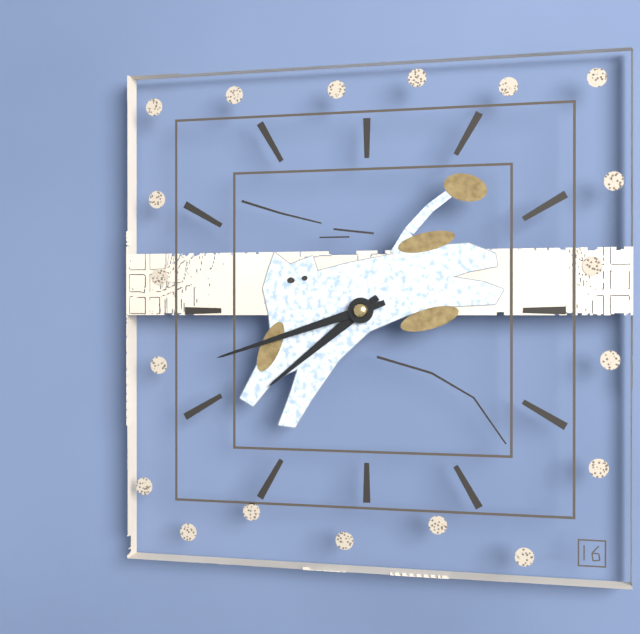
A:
7,42
